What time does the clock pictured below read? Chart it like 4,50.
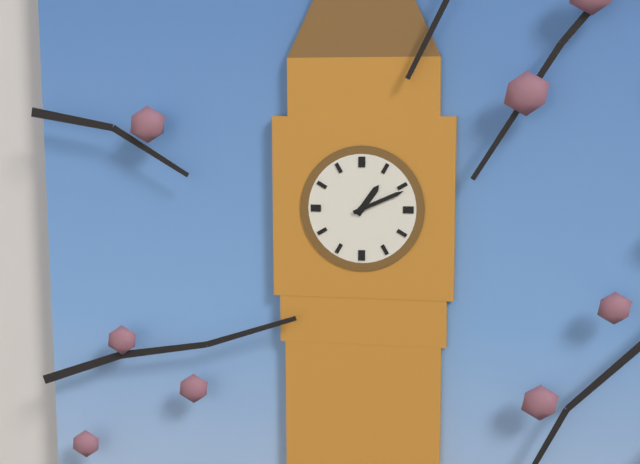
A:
1,11
